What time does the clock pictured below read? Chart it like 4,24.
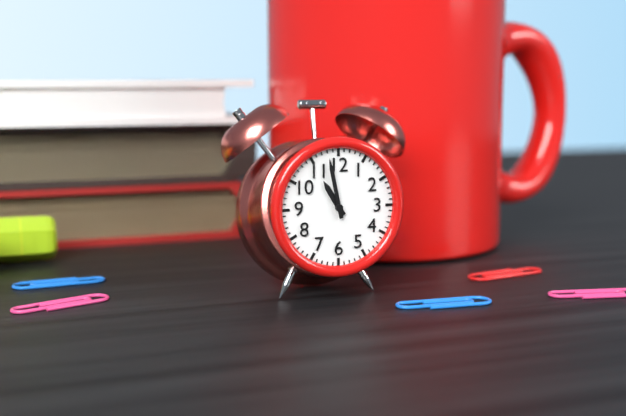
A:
10,58
